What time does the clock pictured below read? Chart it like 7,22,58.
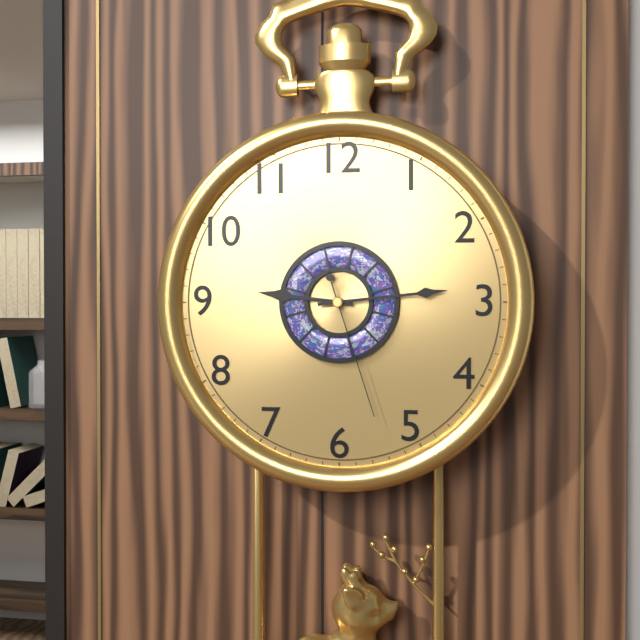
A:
9,14,27
